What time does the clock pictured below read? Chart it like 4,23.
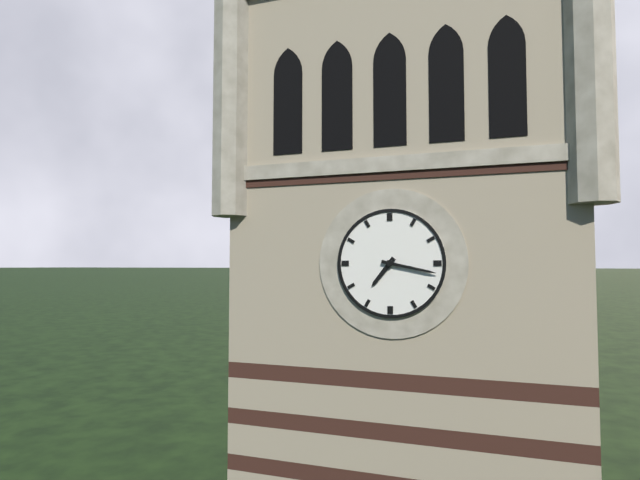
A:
7,17
